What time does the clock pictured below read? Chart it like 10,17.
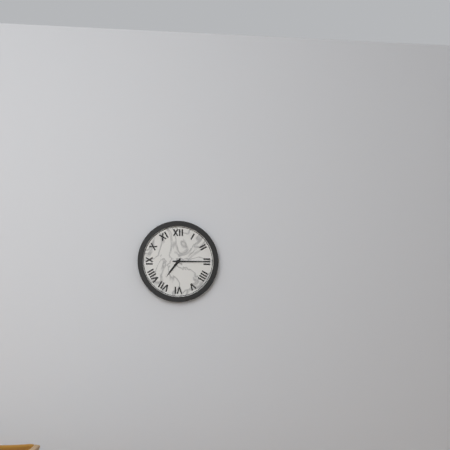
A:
7,15
